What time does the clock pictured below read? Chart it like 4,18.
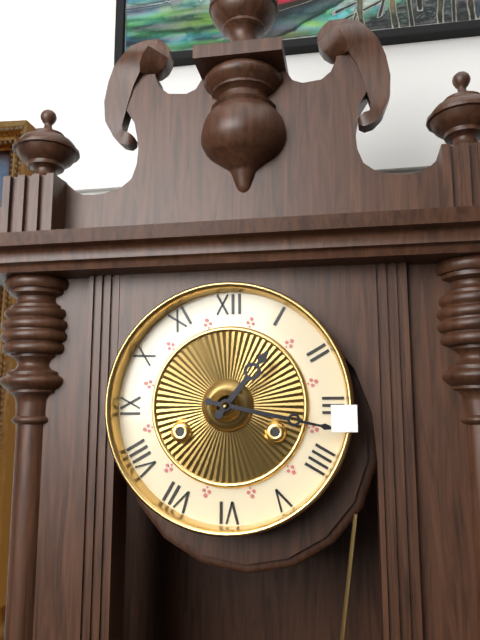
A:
1,17
